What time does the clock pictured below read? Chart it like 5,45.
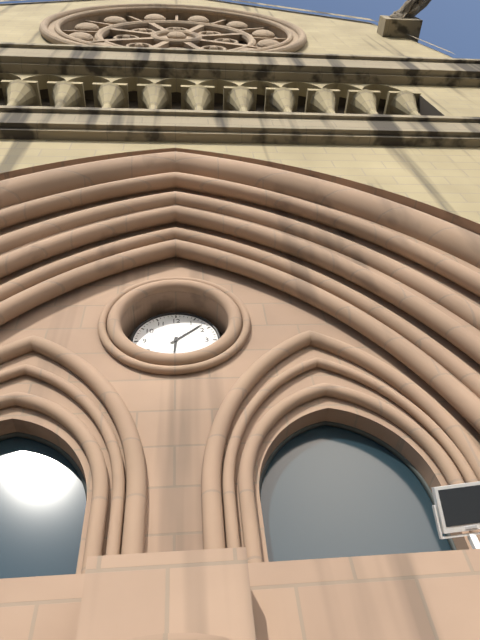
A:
6,08
